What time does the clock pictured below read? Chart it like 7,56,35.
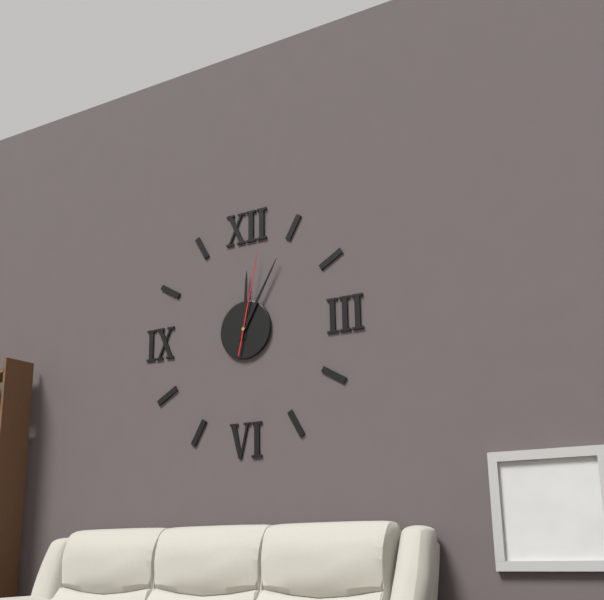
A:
12,05,02
